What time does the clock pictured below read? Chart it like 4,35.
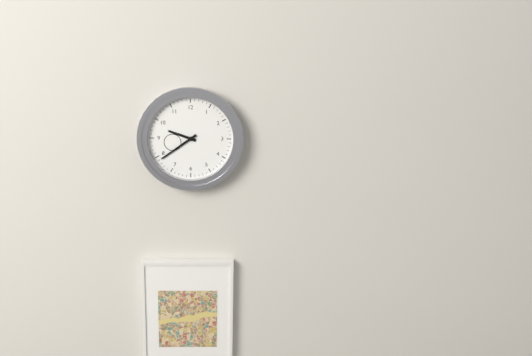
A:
9,39
